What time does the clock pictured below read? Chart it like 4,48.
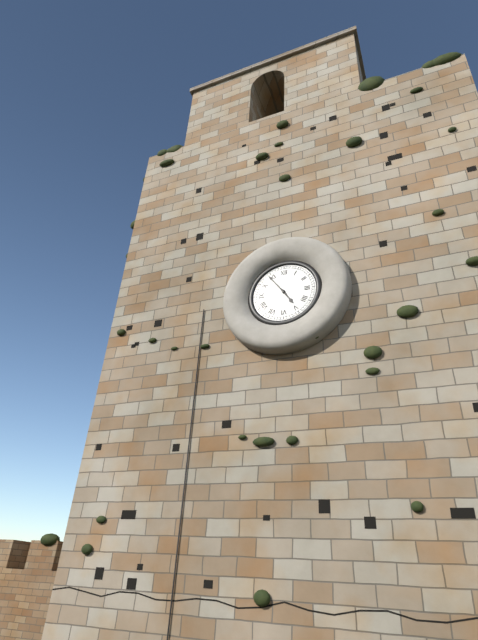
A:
4,54
